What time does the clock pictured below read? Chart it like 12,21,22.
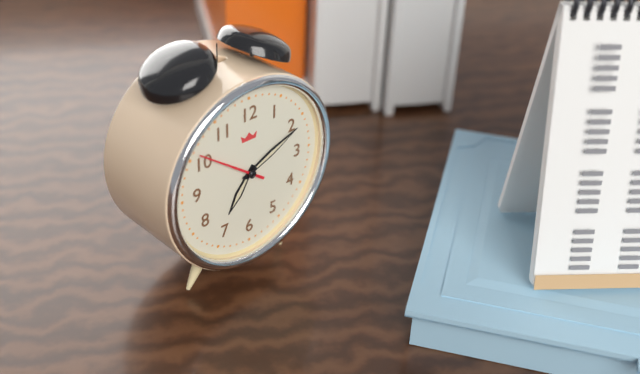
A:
7,11,51
